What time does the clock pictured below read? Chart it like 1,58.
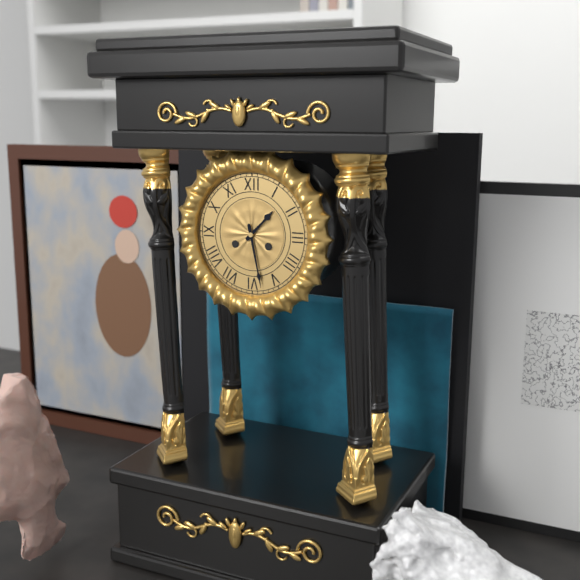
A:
1,28
